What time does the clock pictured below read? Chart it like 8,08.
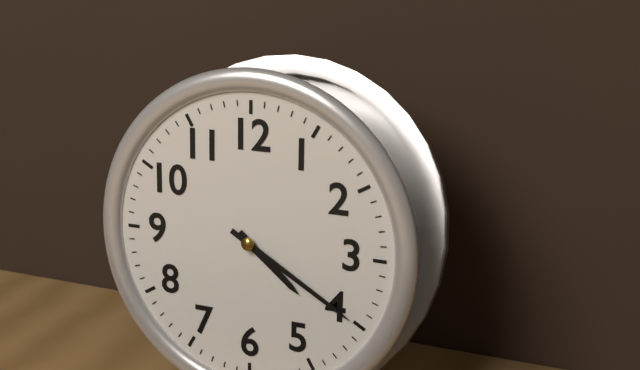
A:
4,20
